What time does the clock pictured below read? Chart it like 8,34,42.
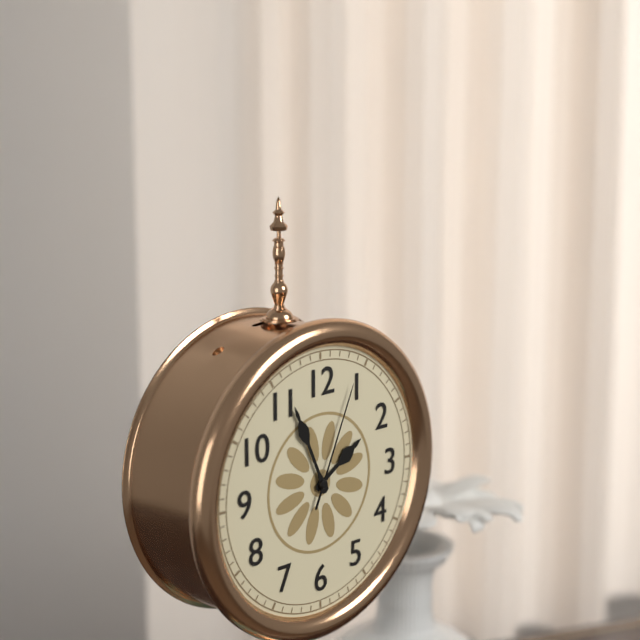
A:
1,56,04
